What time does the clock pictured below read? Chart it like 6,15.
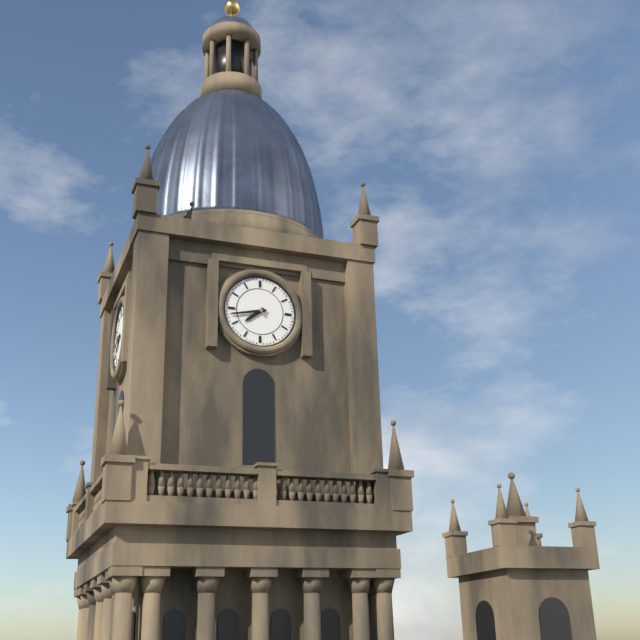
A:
7,43
